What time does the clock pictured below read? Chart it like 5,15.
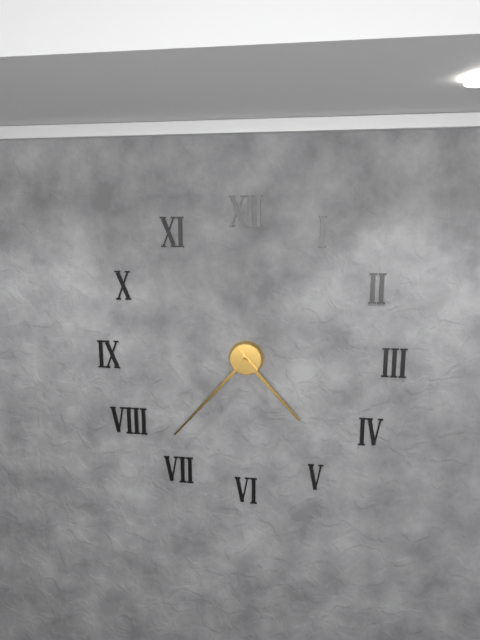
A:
4,37
